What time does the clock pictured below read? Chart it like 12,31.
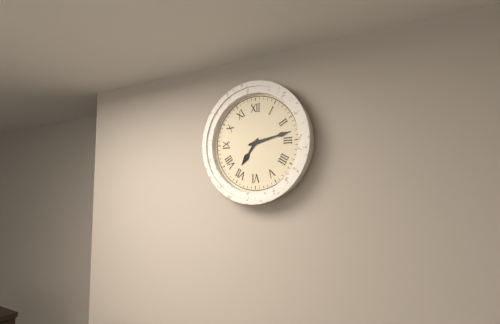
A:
7,13
